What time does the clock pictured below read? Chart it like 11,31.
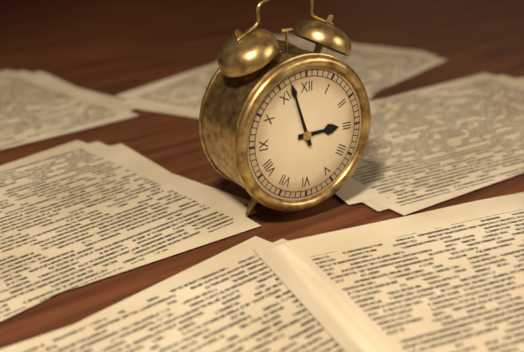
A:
2,57
